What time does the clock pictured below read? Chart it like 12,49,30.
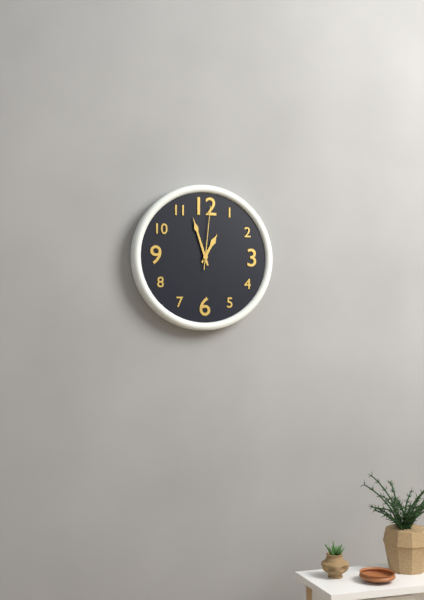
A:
12,57,01
